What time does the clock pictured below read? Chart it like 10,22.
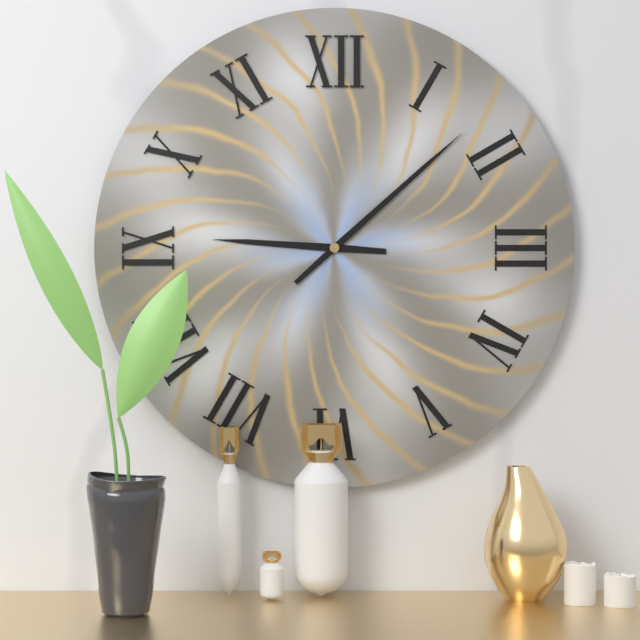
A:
9,08
